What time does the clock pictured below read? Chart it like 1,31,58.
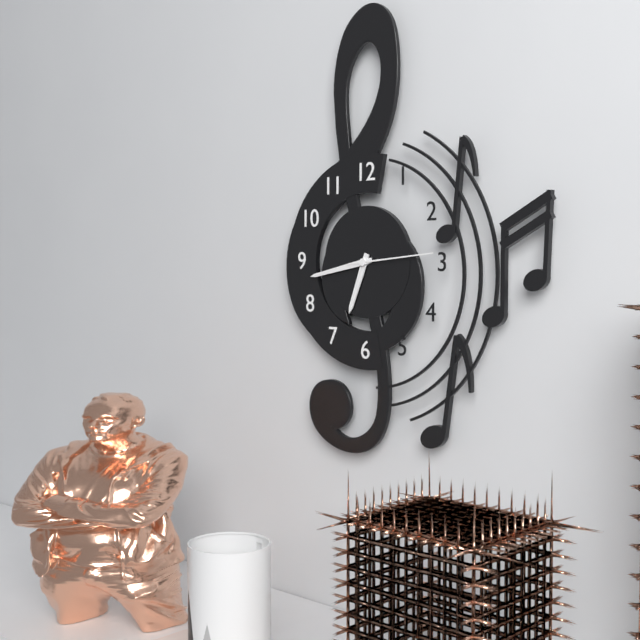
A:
6,43,14
